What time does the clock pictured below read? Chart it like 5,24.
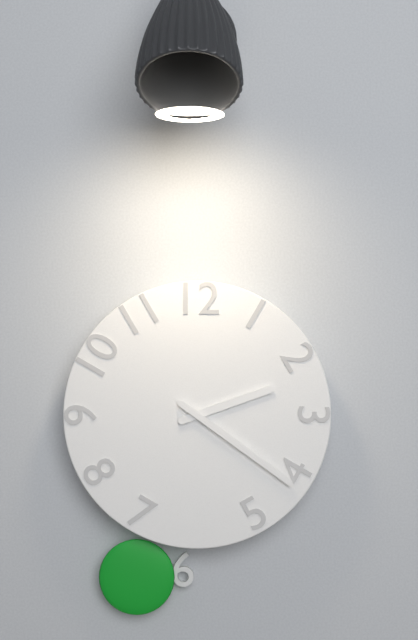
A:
2,21
